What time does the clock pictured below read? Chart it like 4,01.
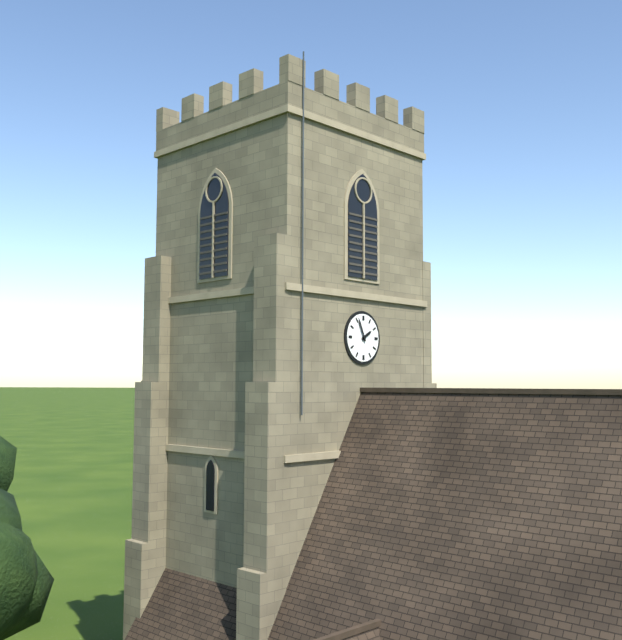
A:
1,56
